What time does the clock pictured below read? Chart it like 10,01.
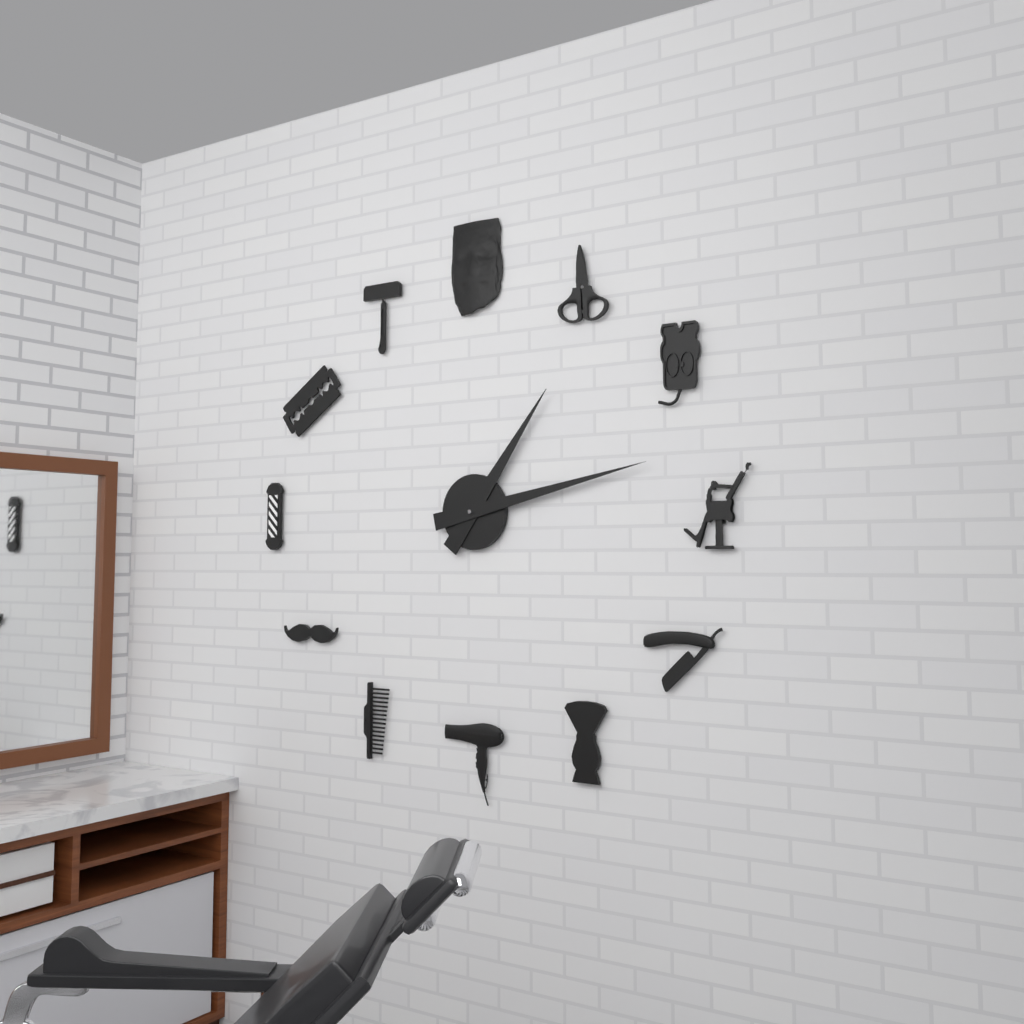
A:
1,13
